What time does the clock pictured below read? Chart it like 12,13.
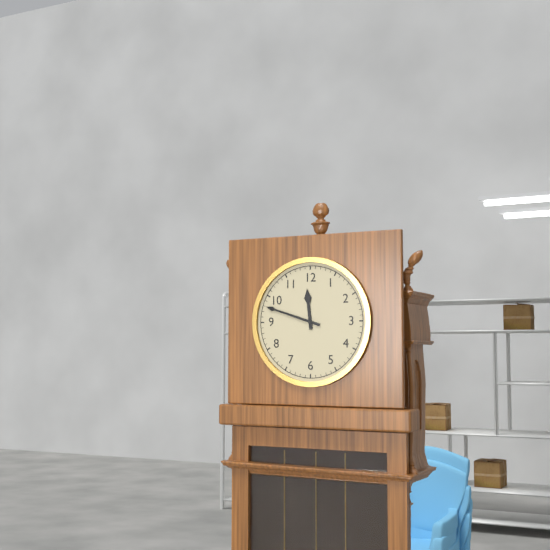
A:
11,48
